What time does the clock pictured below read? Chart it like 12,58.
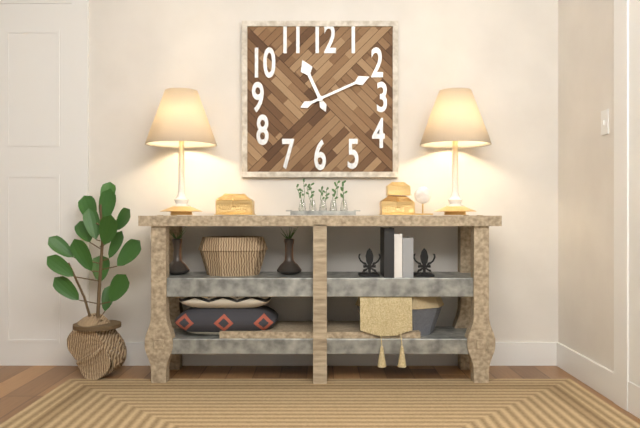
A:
11,11
